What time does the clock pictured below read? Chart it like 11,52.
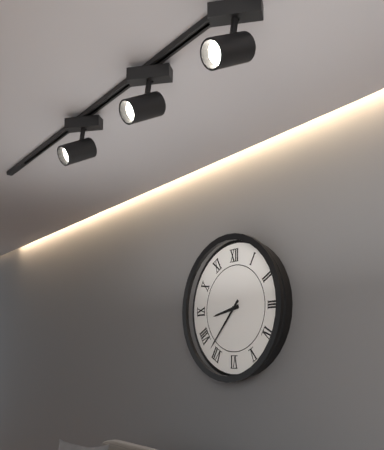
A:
8,37
